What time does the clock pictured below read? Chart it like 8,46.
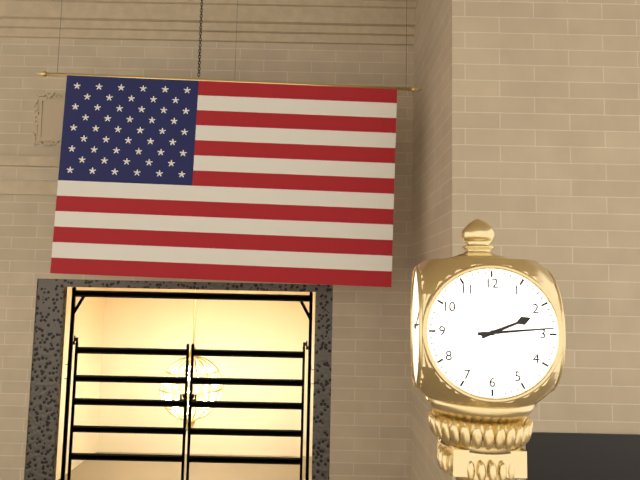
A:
2,14
